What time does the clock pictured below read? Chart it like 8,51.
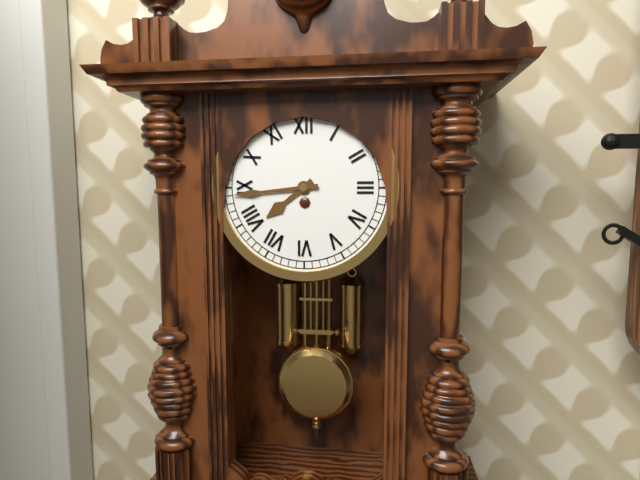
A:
7,44
